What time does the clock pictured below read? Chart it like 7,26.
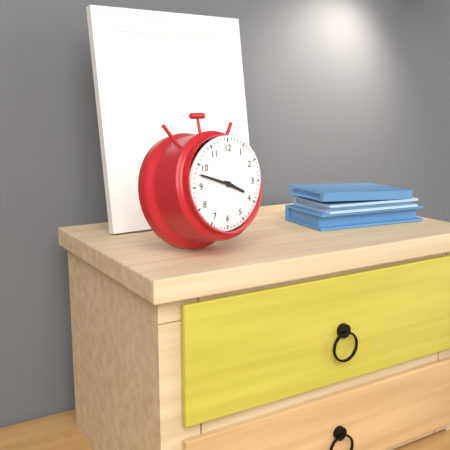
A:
3,48
